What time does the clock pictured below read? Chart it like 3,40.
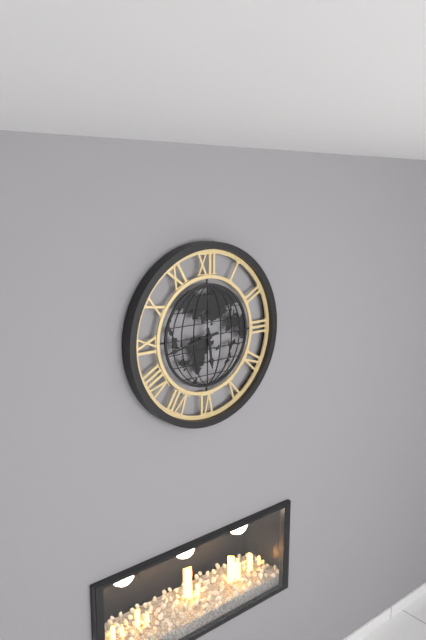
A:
5,43
